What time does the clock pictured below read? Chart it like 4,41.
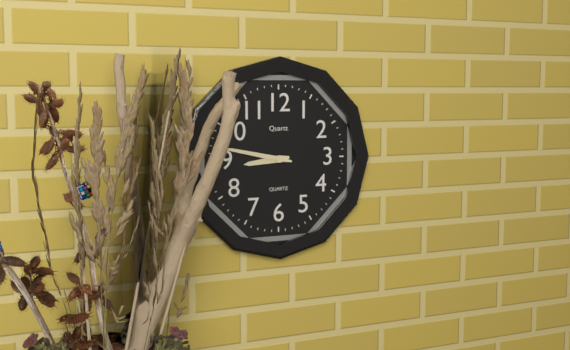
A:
8,47
